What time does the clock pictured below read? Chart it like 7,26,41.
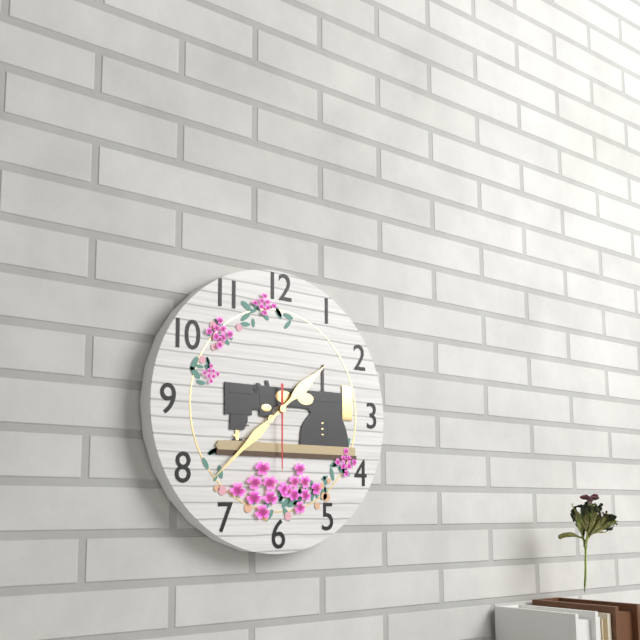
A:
1,38,30
